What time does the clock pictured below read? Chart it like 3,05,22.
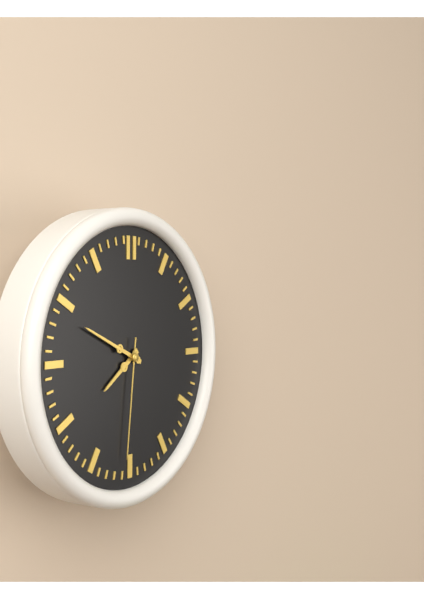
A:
7,49,31
